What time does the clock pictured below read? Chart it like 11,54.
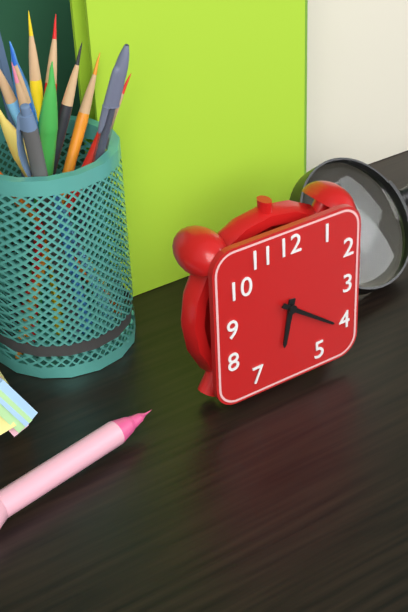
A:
6,21
